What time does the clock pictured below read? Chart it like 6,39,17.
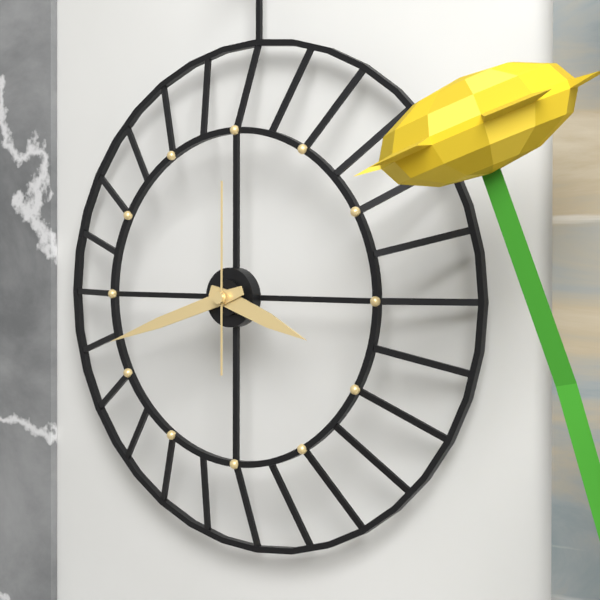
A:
3,42,00
